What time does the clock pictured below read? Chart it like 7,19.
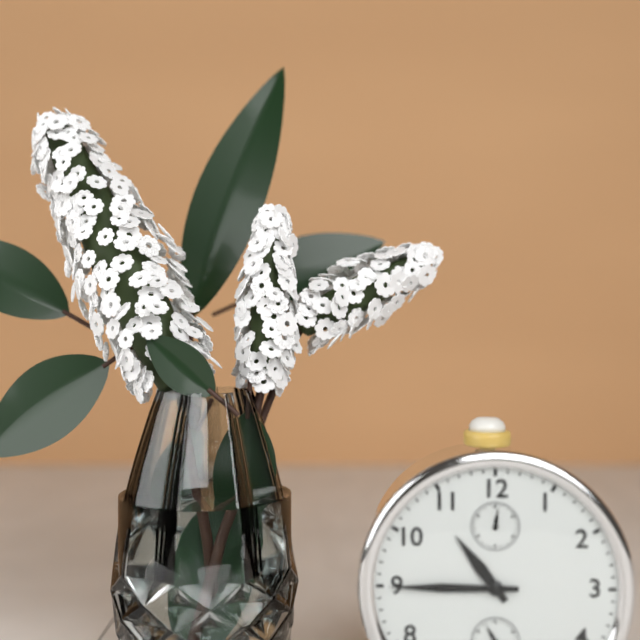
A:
10,45
